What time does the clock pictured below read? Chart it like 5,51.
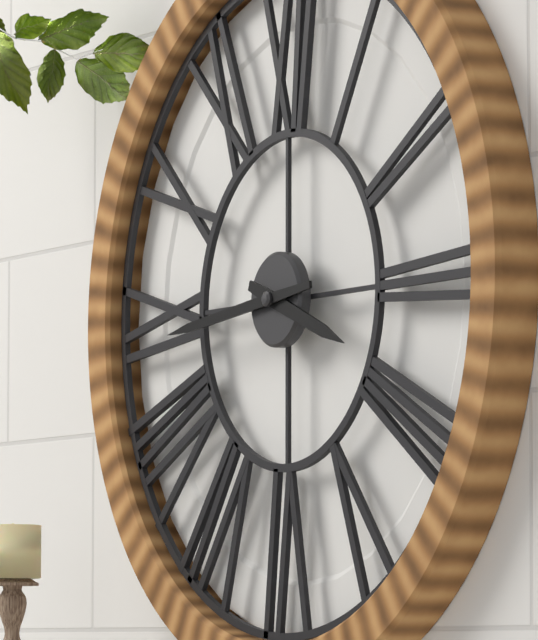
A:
3,44
